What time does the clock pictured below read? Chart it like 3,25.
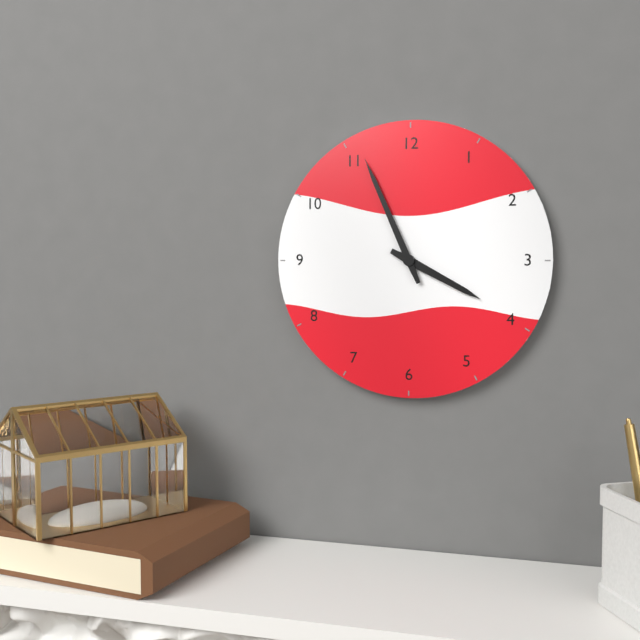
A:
3,56
